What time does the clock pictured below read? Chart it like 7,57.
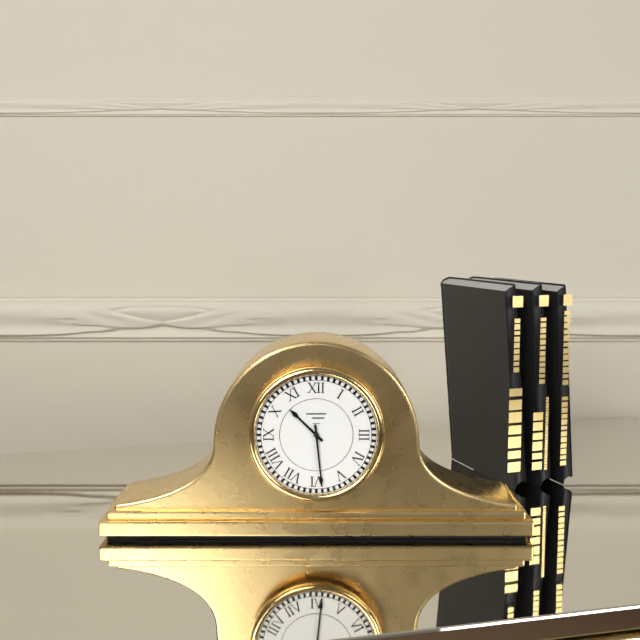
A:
10,29
